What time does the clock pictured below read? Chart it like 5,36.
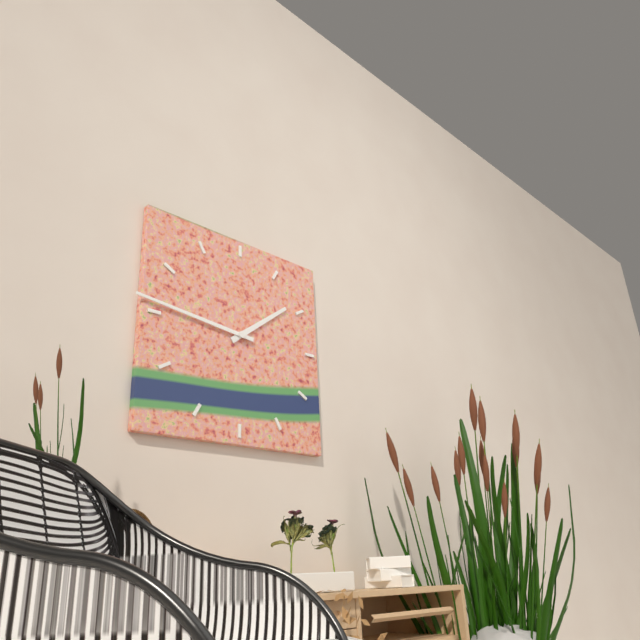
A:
1,46
